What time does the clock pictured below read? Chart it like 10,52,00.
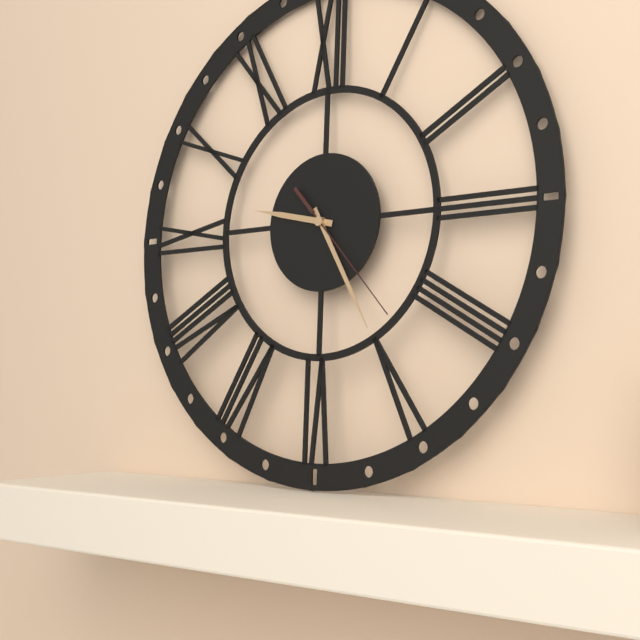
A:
9,25,23
